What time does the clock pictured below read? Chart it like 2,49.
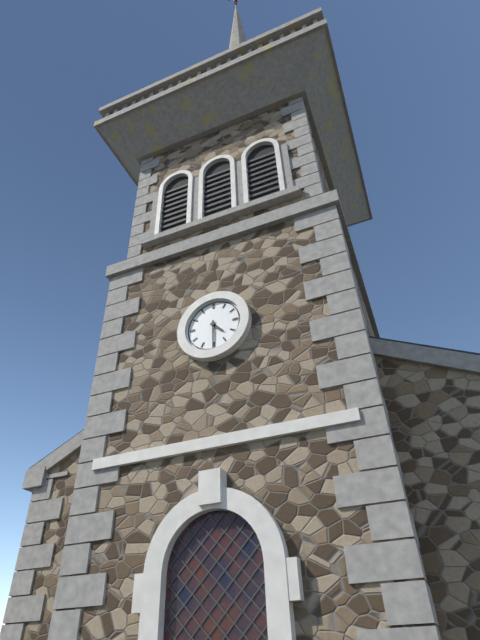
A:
4,30
